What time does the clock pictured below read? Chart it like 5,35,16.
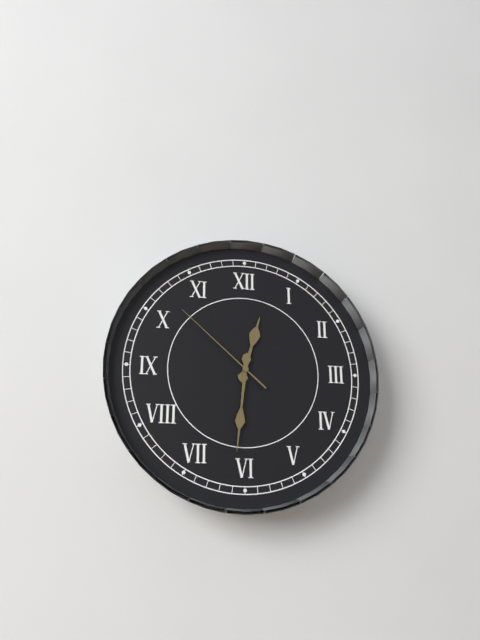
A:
12,31,52
